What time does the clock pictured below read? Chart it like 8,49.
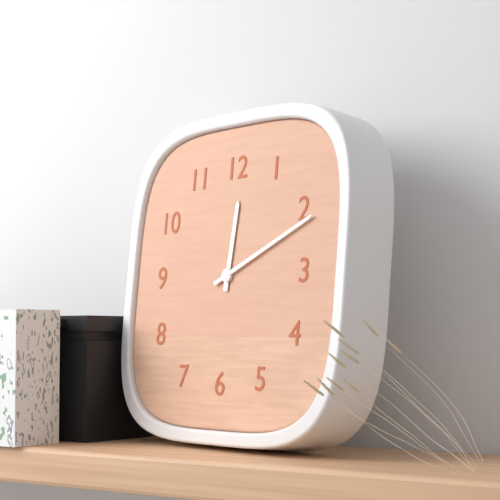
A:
12,11
